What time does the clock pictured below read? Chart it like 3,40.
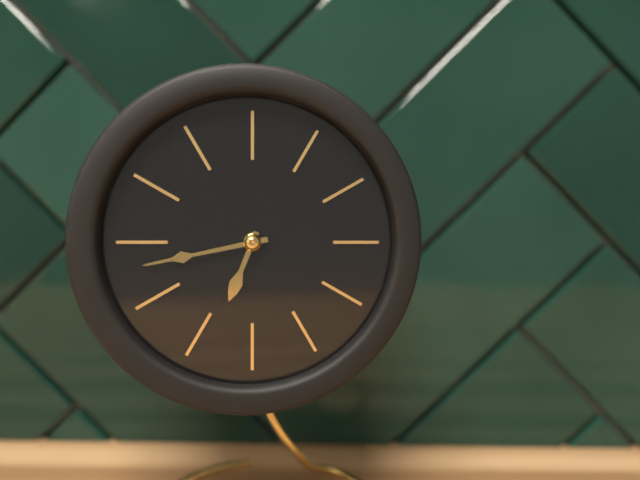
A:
6,43
